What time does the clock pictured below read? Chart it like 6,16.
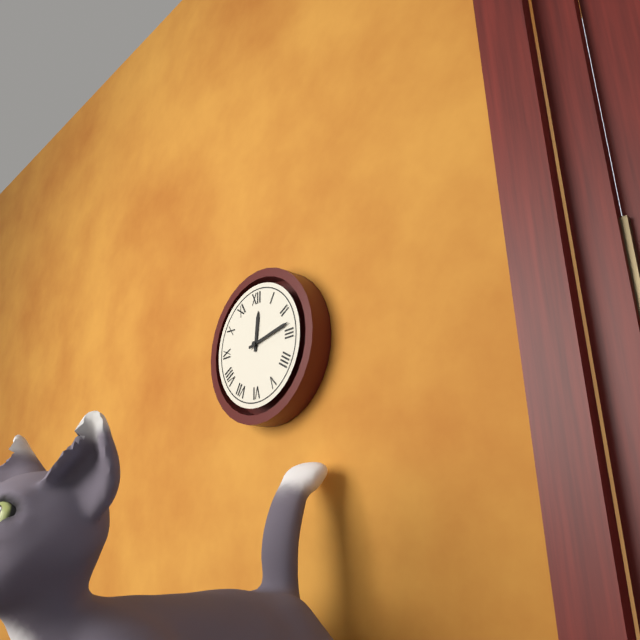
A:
12,13
